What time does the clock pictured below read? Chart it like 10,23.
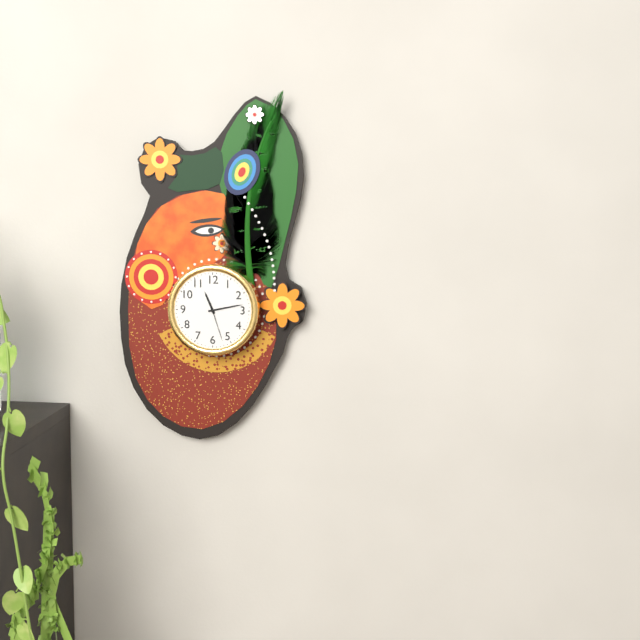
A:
11,13
